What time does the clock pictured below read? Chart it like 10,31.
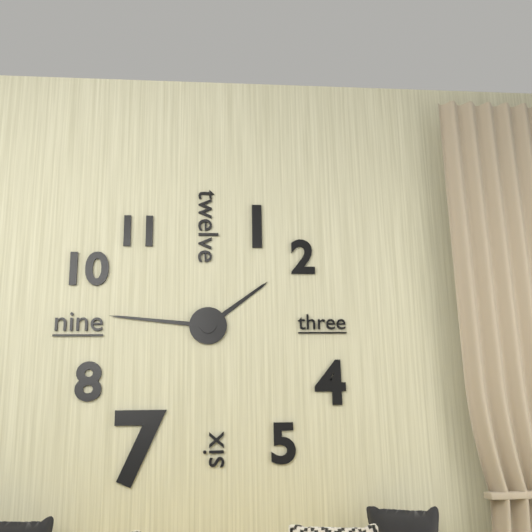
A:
1,46
